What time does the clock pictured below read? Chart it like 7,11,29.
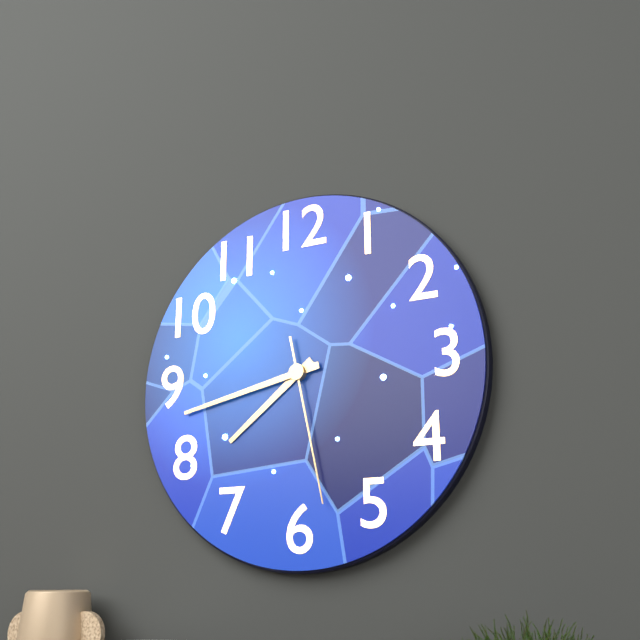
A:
7,43,28
